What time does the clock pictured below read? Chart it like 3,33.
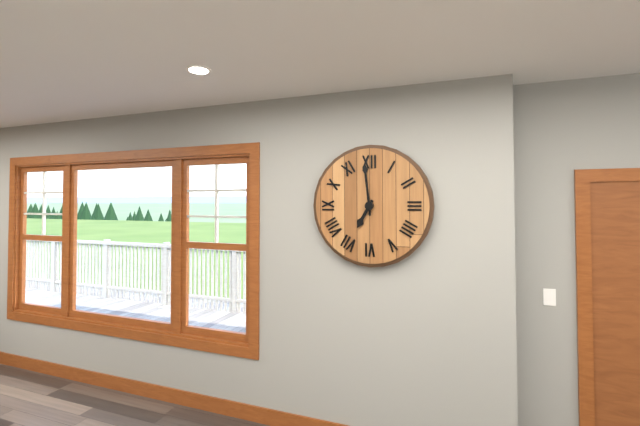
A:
6,59
